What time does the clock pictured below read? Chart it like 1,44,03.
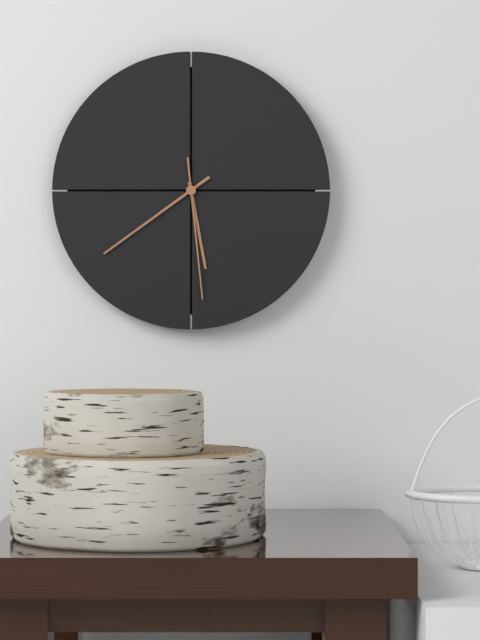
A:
5,39,29
